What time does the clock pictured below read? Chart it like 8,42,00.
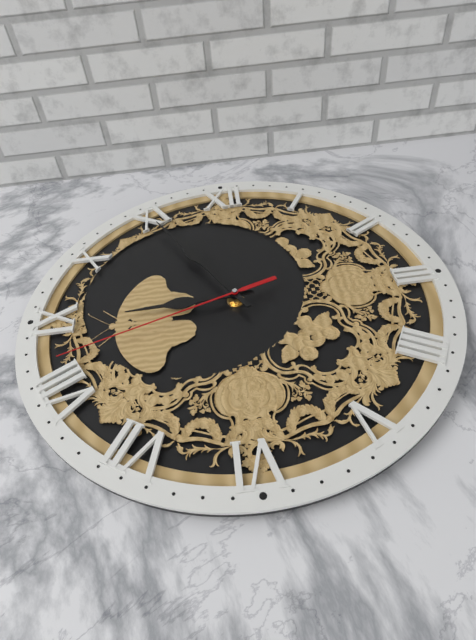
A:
8,55,42
